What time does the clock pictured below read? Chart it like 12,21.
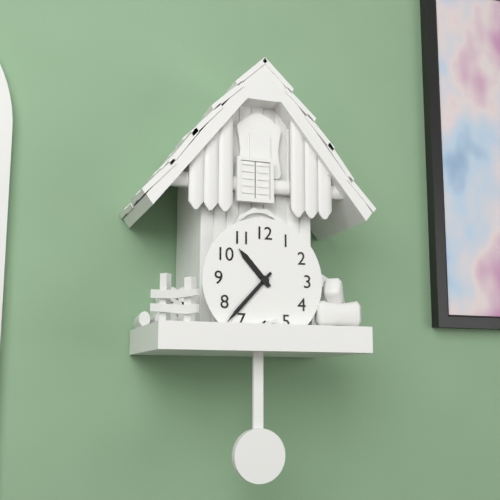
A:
10,37
